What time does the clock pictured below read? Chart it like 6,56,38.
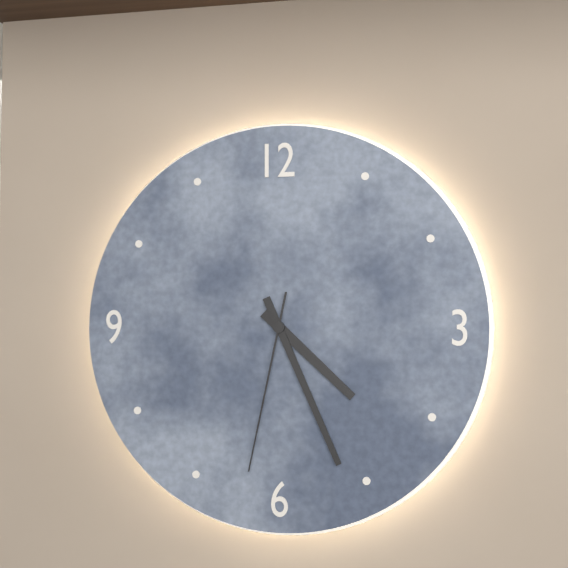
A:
4,26,32
